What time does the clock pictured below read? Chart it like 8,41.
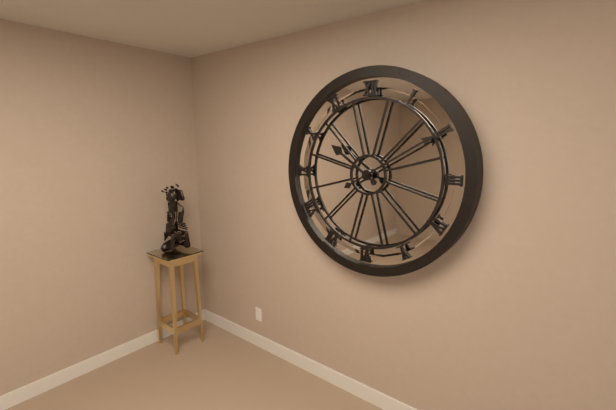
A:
10,10
